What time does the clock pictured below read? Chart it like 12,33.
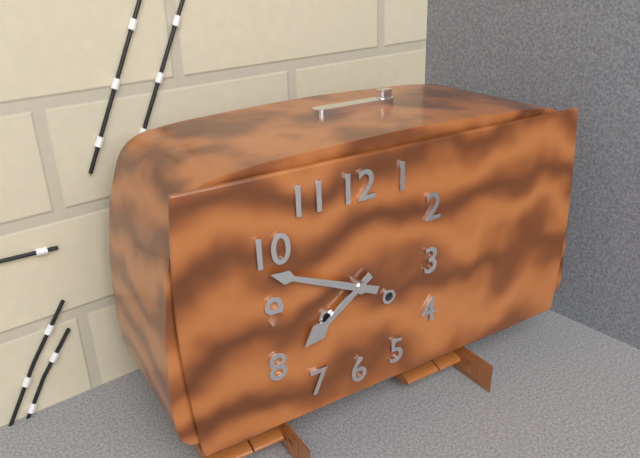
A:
7,49
